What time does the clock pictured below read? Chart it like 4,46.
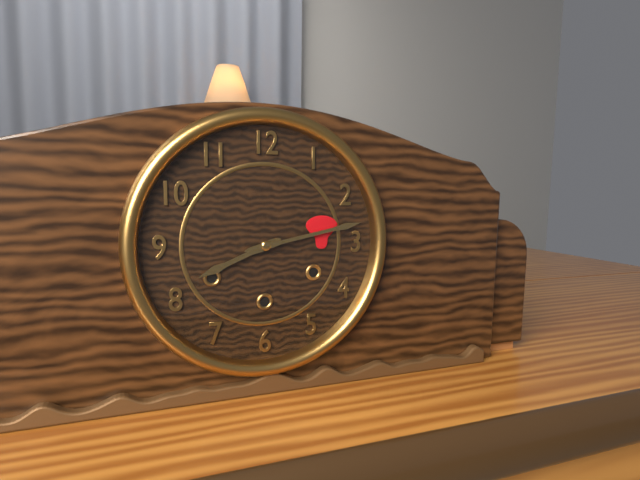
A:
8,13
